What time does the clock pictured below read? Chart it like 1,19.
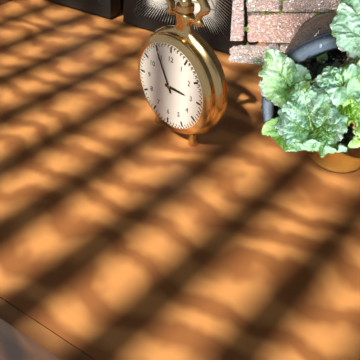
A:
2,55
